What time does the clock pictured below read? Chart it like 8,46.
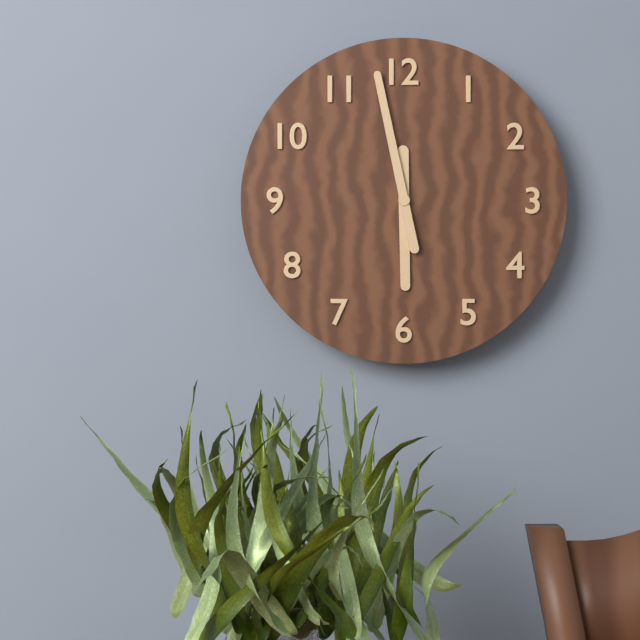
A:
5,58
